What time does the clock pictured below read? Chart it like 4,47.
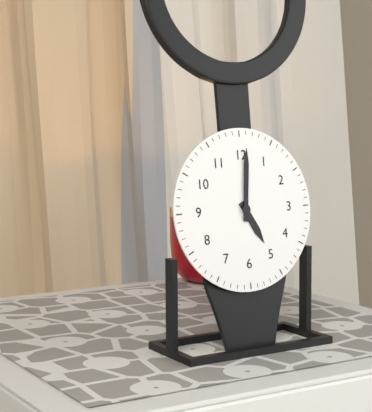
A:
5,01
